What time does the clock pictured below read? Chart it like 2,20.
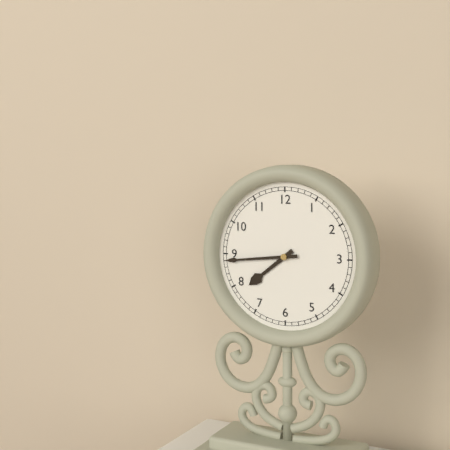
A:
7,44
